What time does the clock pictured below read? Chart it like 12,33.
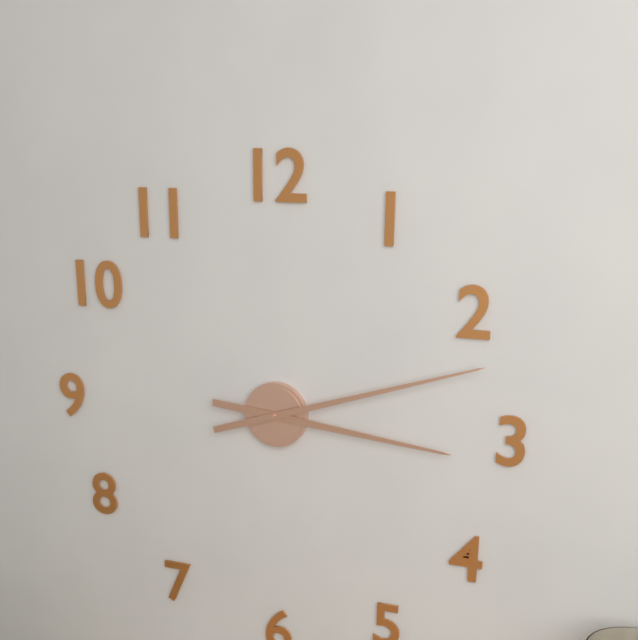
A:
3,12
